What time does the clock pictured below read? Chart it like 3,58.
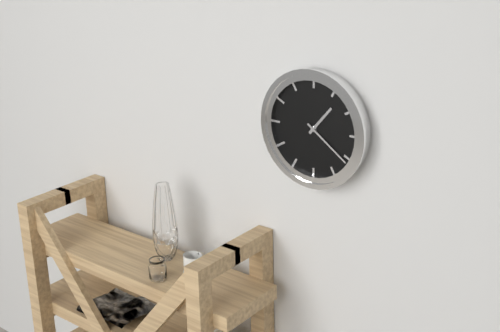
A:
1,21
